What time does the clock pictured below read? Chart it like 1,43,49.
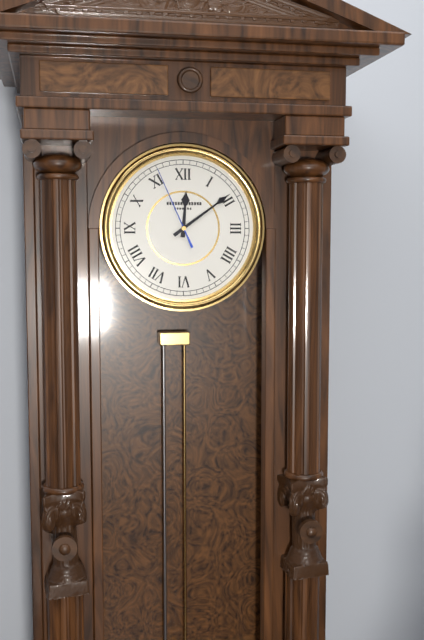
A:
12,09,56
